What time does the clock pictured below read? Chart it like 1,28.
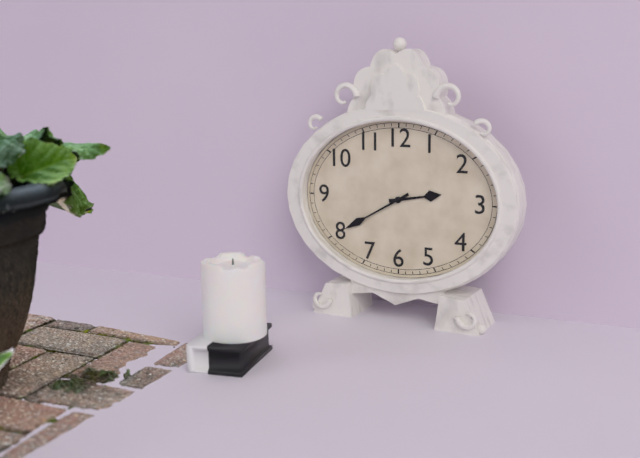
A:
2,40
